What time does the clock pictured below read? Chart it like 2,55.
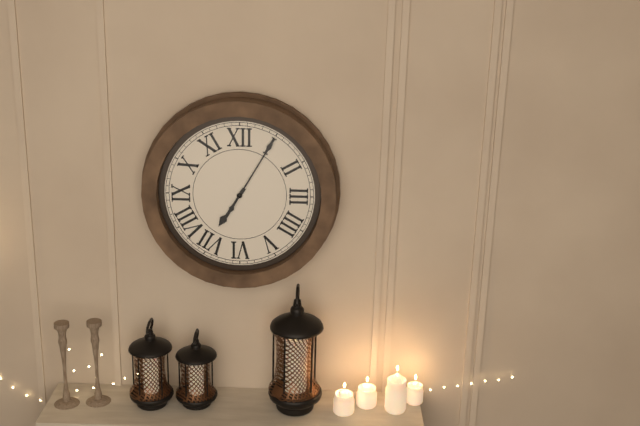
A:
7,05
